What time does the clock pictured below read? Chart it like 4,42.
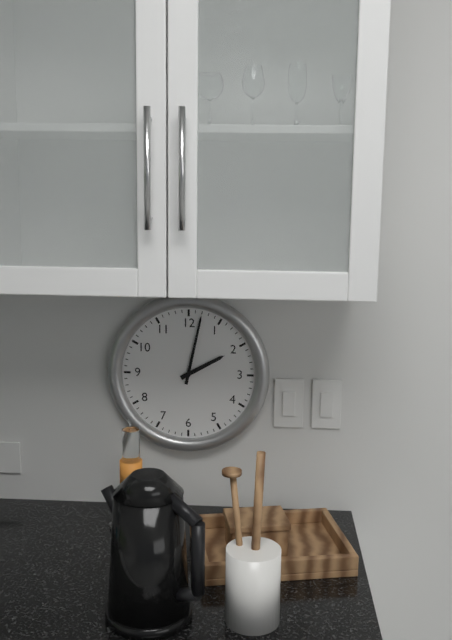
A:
2,02
